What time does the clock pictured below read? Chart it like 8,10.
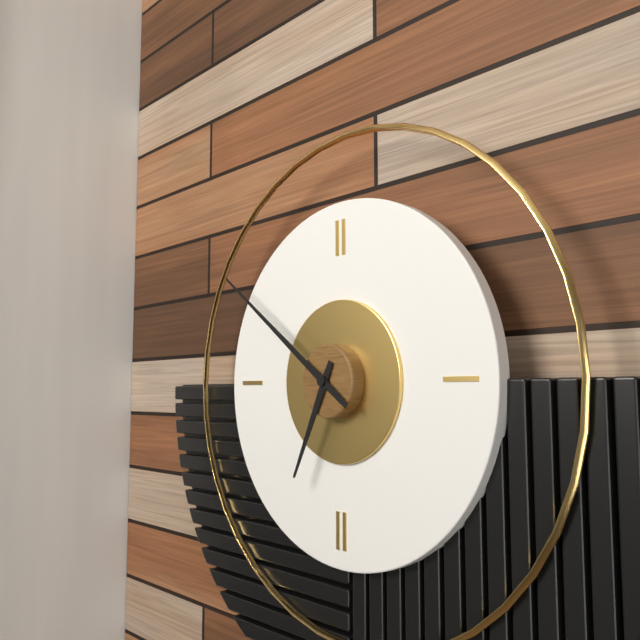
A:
6,51
